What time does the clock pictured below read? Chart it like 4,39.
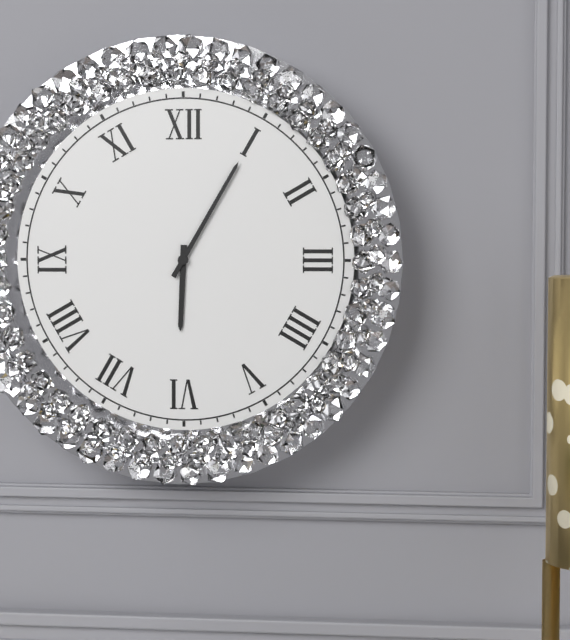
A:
6,05
